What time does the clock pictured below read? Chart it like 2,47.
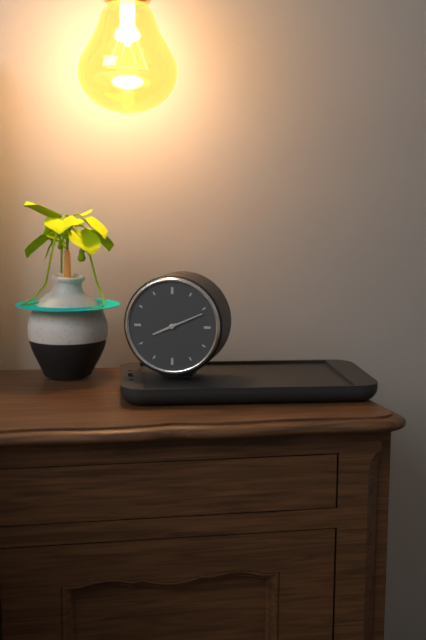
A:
8,11
